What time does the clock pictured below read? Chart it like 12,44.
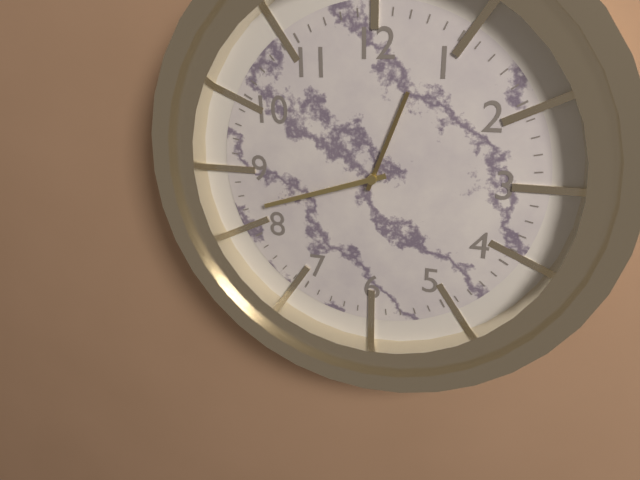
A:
12,42
